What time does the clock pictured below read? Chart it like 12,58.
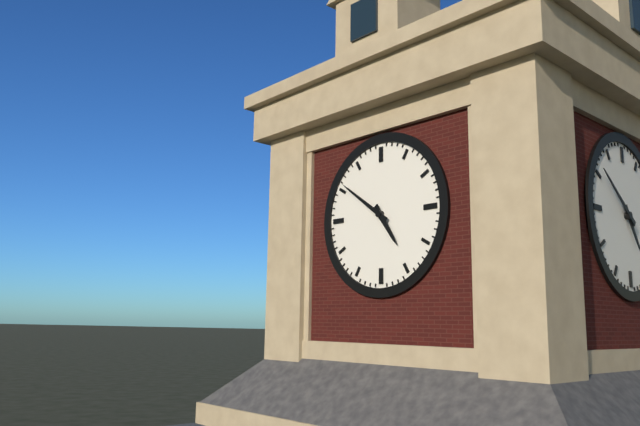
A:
4,51
